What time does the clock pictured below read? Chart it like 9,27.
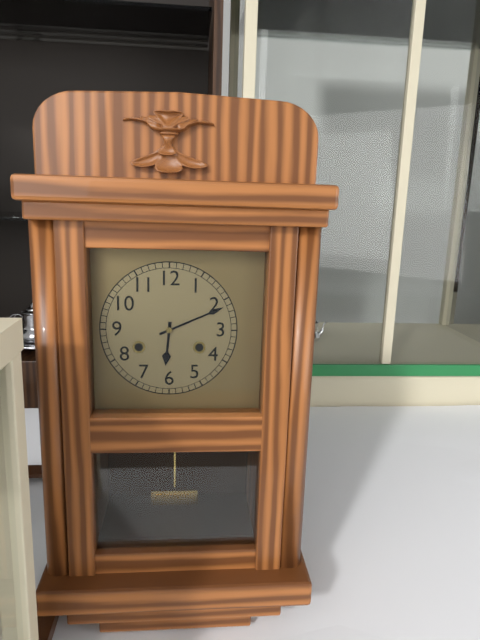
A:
6,11
